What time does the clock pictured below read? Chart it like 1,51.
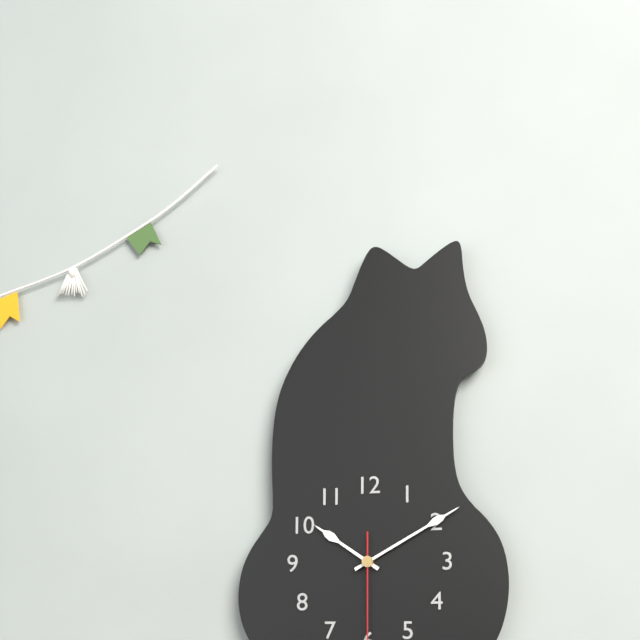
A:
10,10
